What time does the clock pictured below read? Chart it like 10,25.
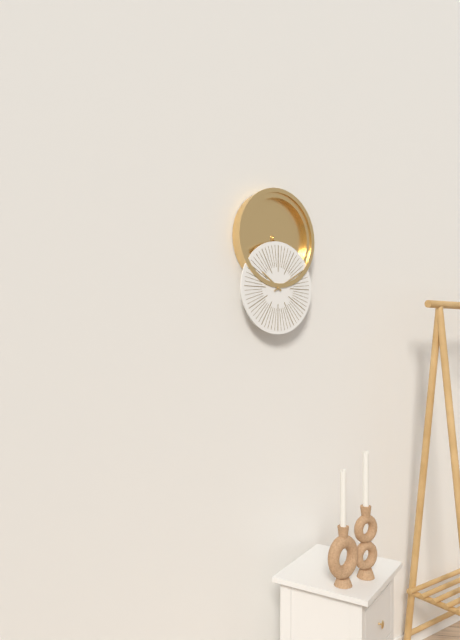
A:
10,10
